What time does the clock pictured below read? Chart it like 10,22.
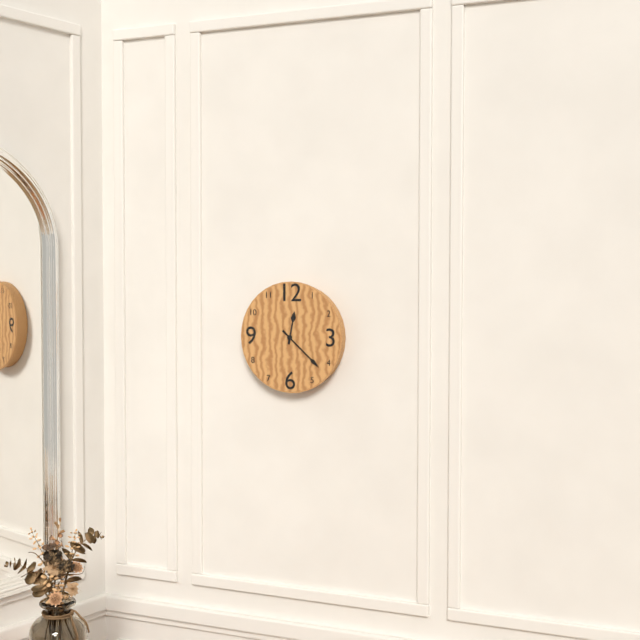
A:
12,22
